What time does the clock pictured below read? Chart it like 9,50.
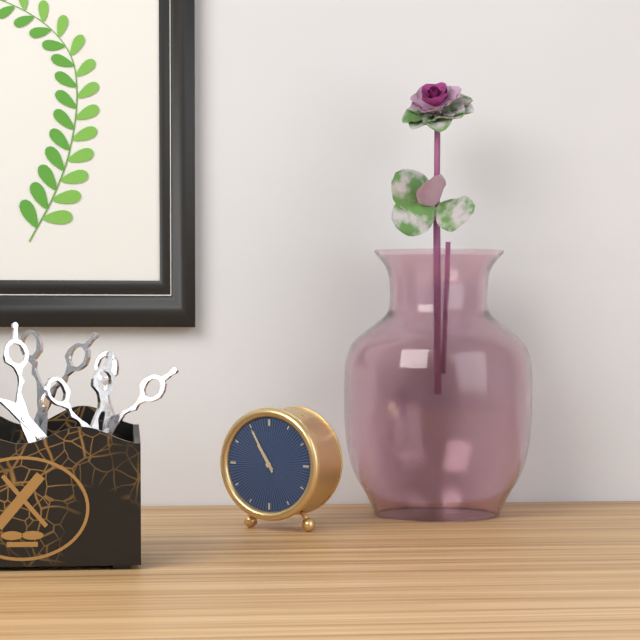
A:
10,55
